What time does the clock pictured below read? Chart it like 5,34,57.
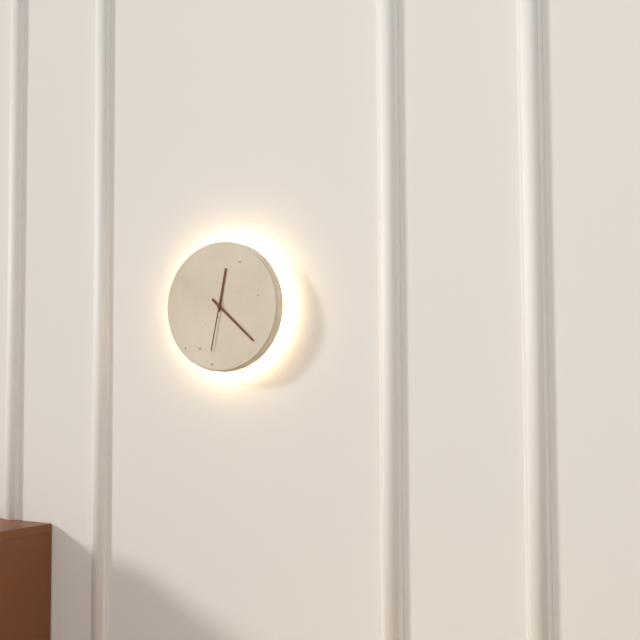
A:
12,22,32
